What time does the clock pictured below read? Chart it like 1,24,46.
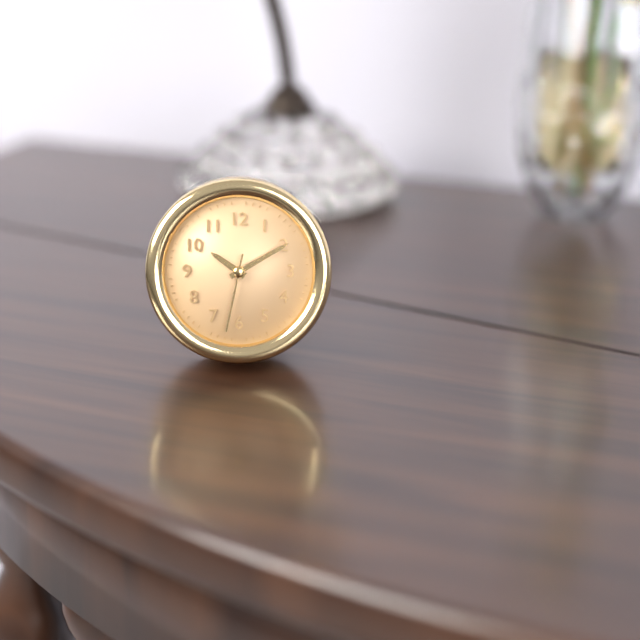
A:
10,10,32
